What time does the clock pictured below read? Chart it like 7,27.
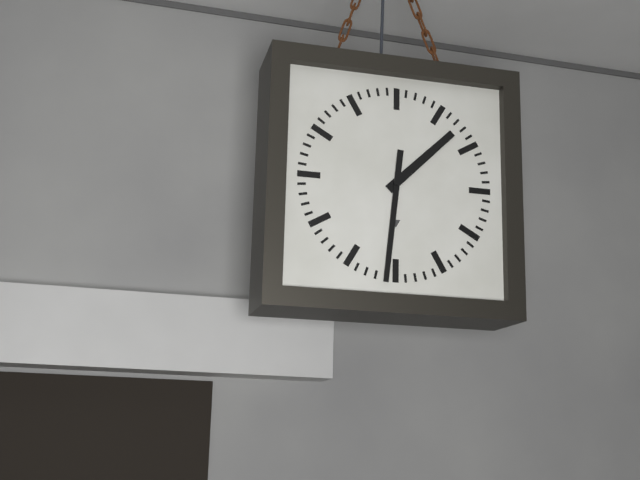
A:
1,31
